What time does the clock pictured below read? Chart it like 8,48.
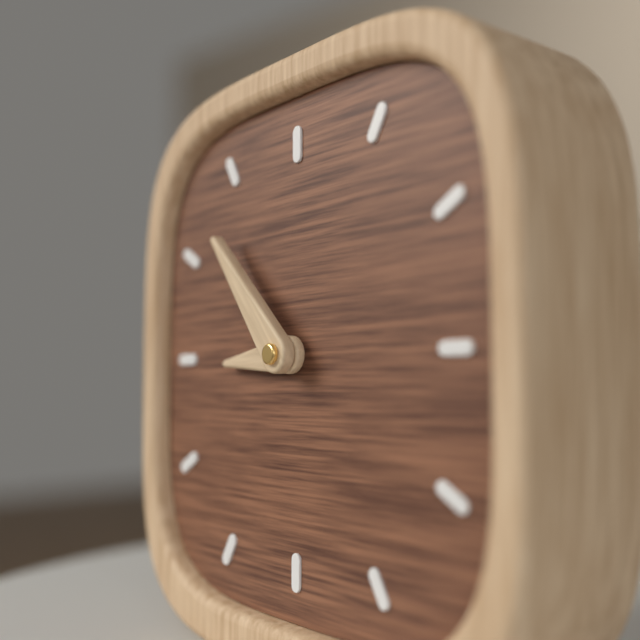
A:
8,53
